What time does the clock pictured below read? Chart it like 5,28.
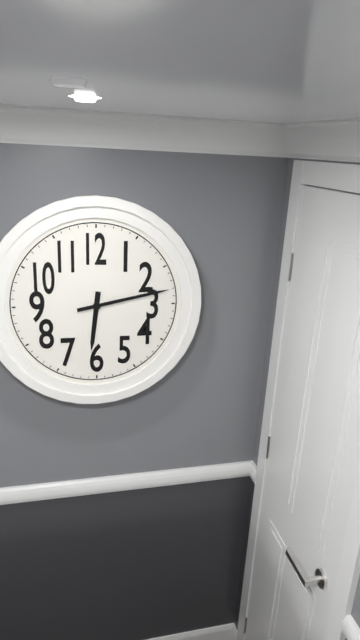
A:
6,13
